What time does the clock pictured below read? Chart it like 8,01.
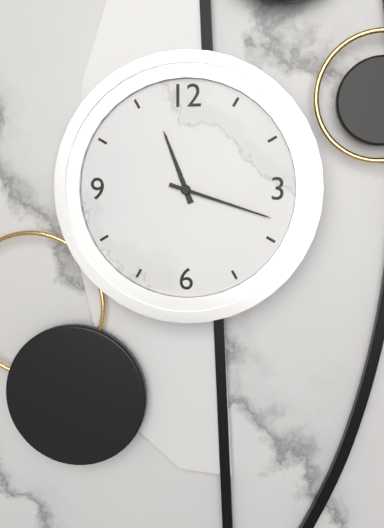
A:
11,18
